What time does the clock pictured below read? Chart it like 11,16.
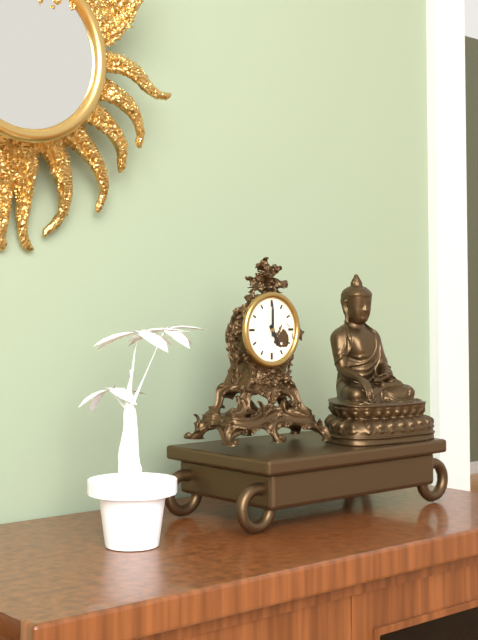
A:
5,00
